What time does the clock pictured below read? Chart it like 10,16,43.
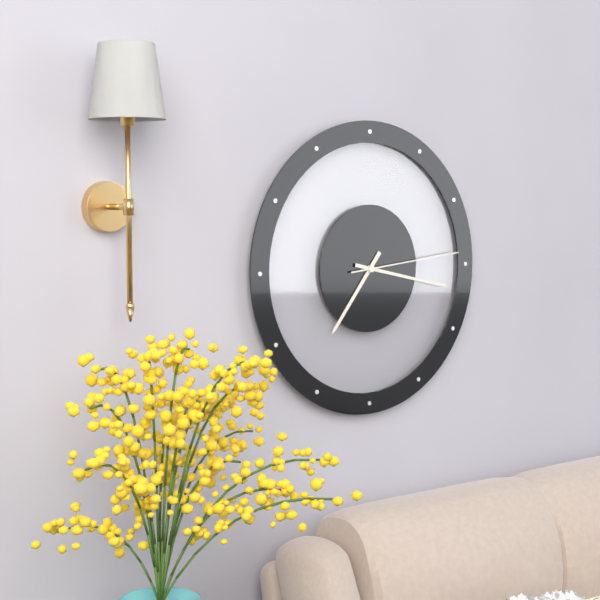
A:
7,17,14
